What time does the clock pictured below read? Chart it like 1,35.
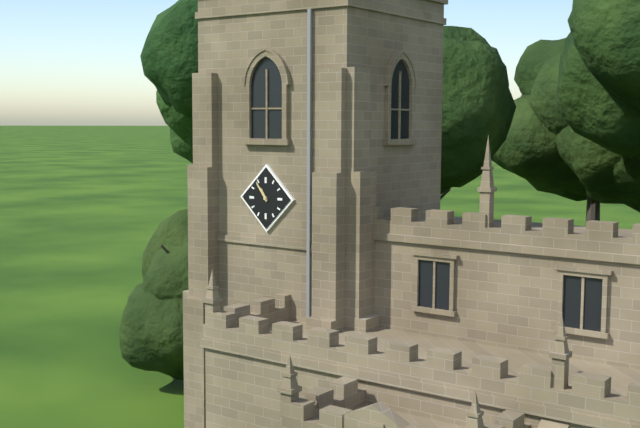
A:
10,54
